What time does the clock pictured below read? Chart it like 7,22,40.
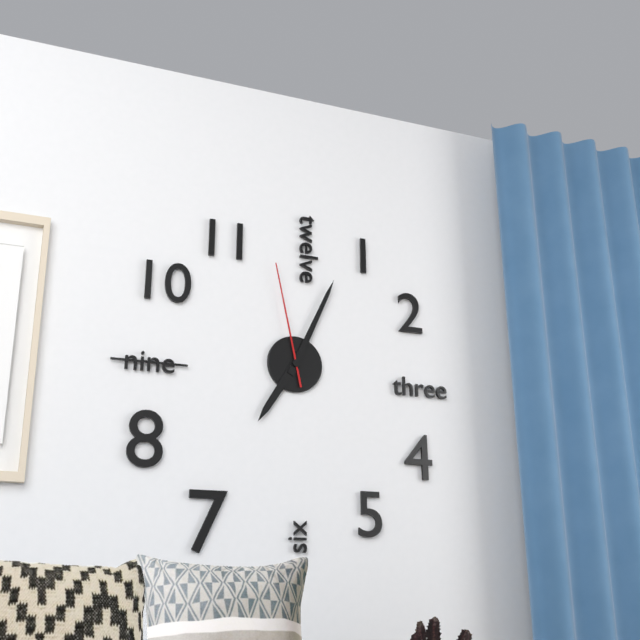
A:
7,04,58
